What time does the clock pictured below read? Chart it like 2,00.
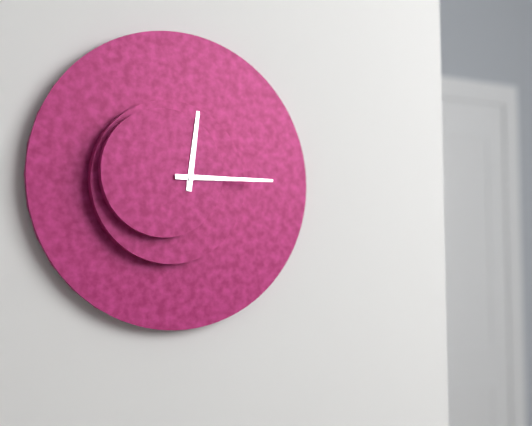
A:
12,15
